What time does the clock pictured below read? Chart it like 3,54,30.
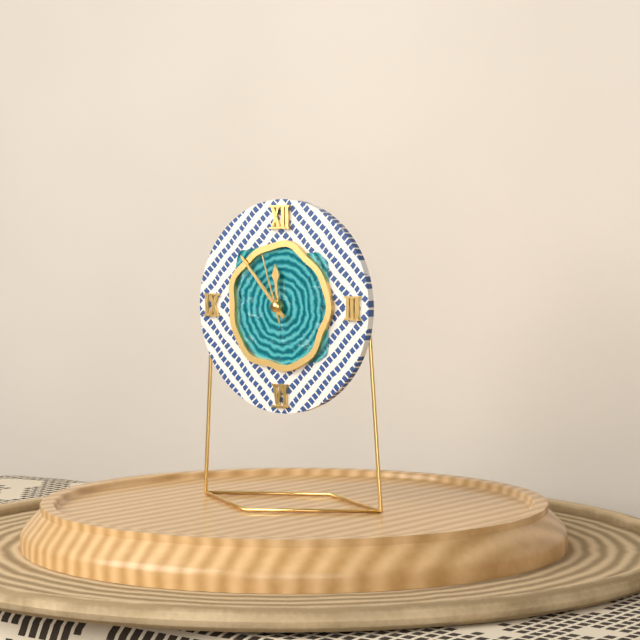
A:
11,53,57
